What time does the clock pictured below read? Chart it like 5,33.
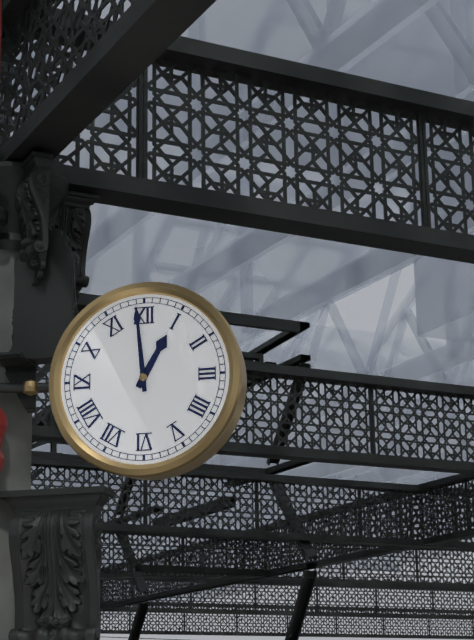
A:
12,59
